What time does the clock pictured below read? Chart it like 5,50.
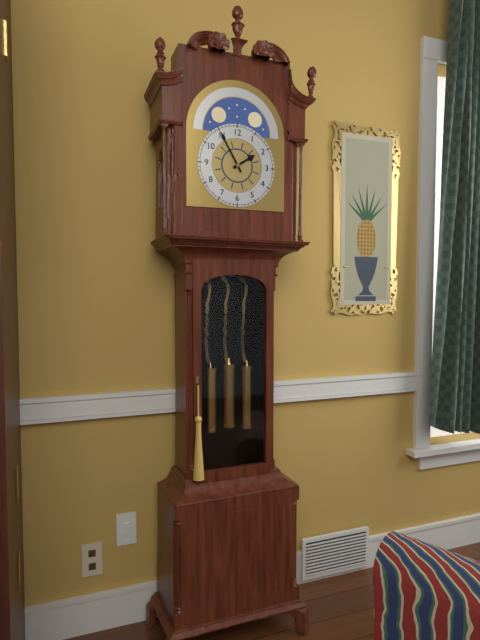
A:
1,55
